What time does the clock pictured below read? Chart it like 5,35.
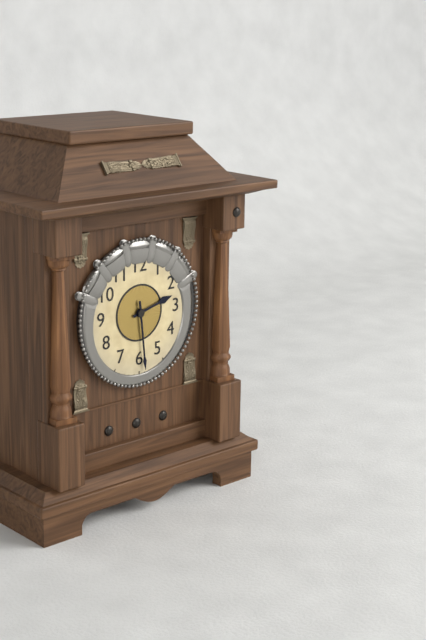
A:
2,29
